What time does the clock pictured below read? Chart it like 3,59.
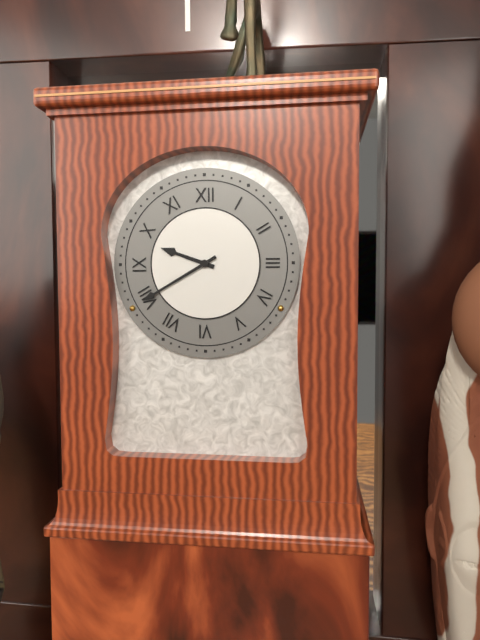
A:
9,40
